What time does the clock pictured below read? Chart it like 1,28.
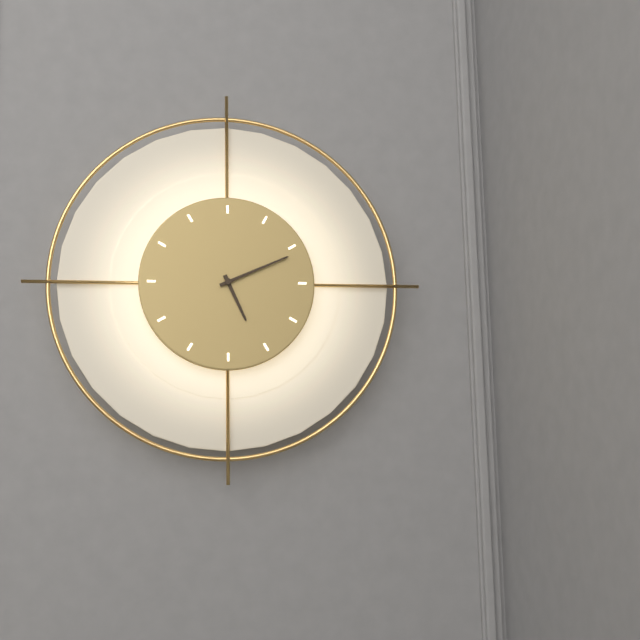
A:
5,11
